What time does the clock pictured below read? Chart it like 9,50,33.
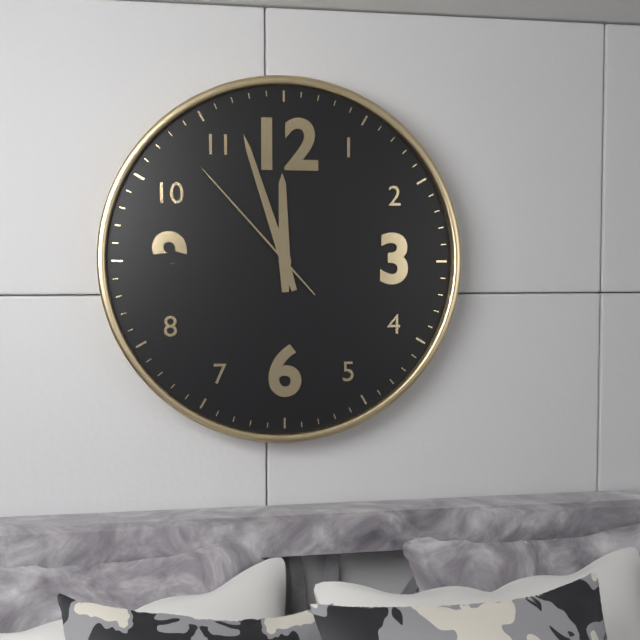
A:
11,57,53
